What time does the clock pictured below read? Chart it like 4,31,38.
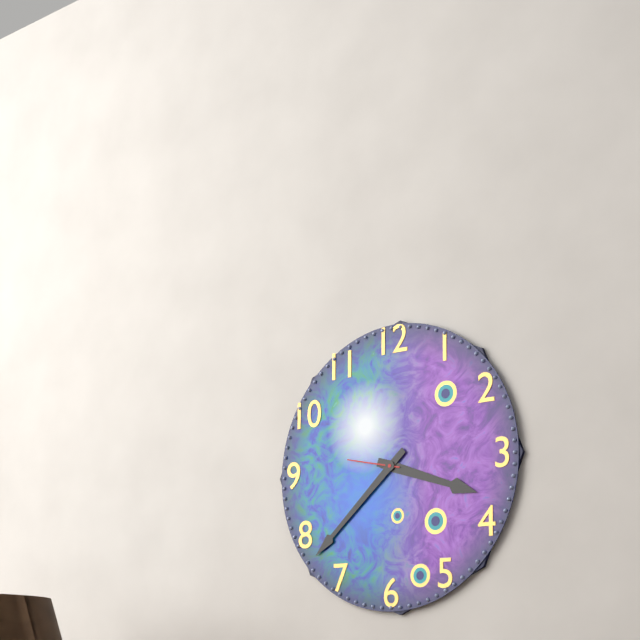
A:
3,38,47
